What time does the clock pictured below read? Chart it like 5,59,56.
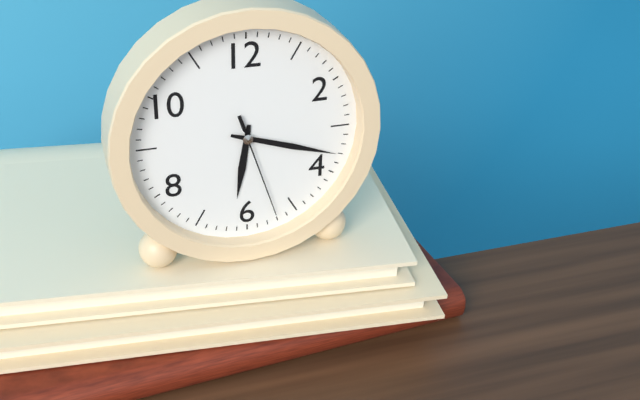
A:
6,18,27
